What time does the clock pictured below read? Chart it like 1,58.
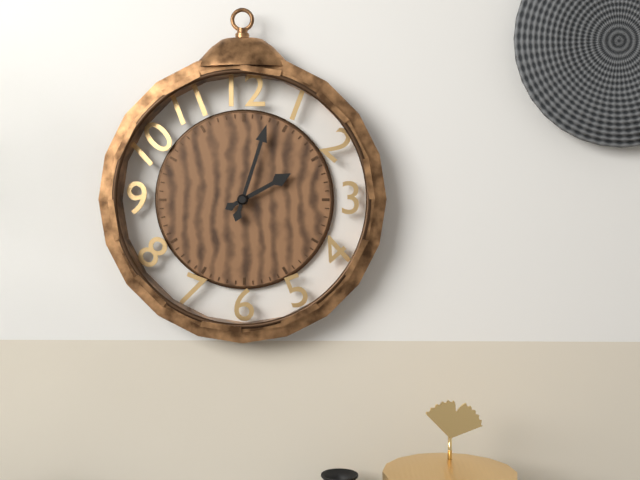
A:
2,03
